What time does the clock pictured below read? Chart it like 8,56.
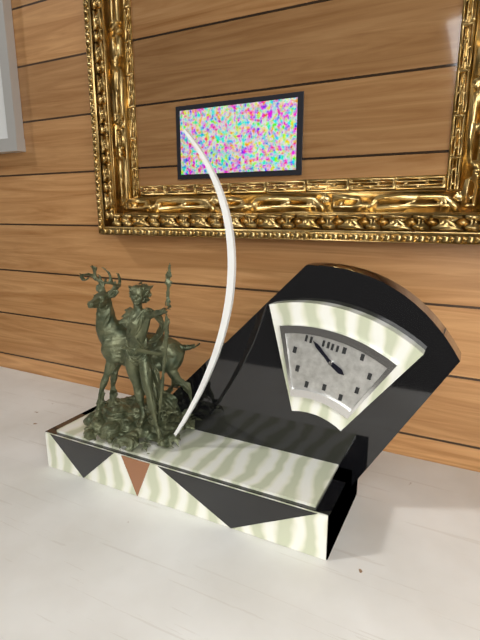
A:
3,51
